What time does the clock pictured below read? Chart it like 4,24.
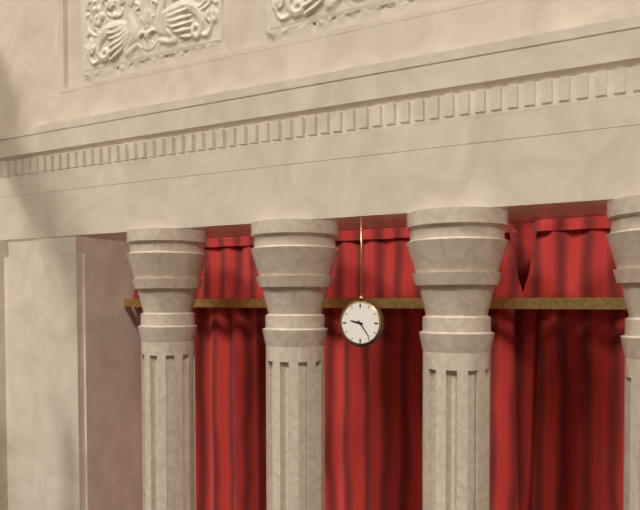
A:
9,24
